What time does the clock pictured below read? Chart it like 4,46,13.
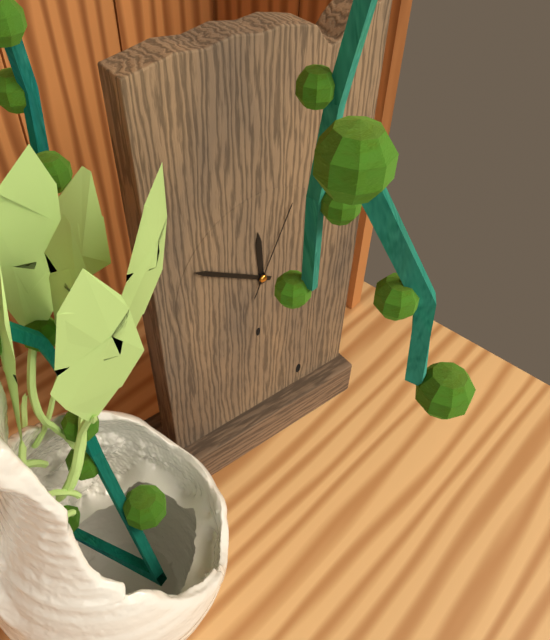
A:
11,50,04
